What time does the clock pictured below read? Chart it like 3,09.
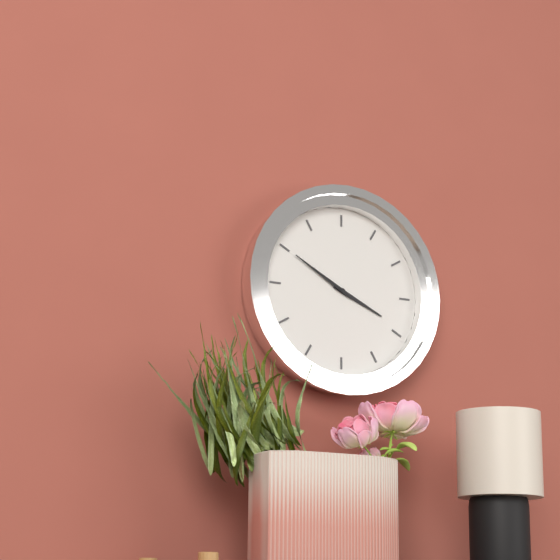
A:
3,50
